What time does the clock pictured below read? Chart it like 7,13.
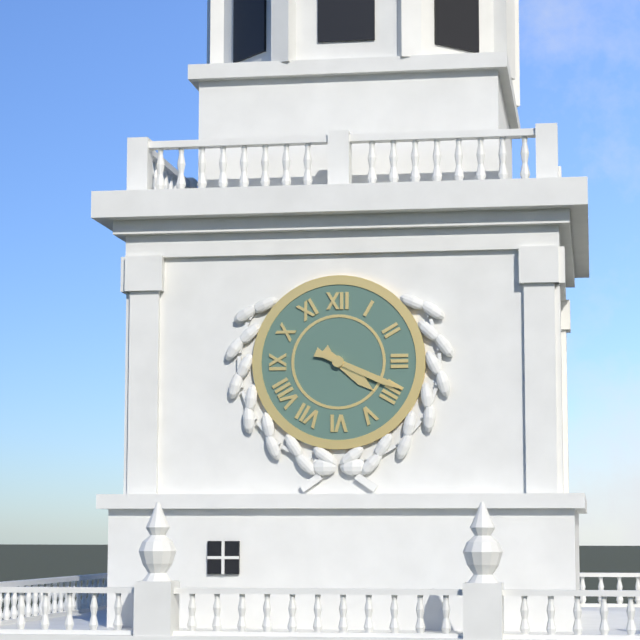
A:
4,19
